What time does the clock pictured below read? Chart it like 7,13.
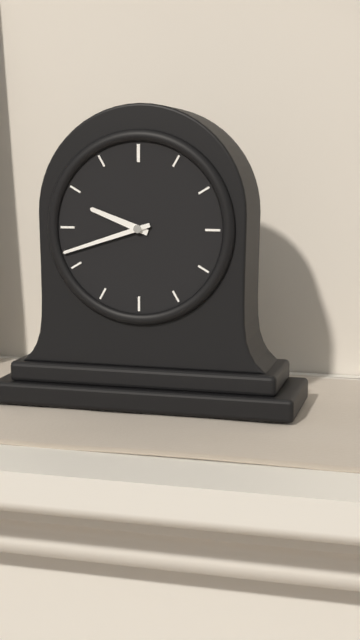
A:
9,42
